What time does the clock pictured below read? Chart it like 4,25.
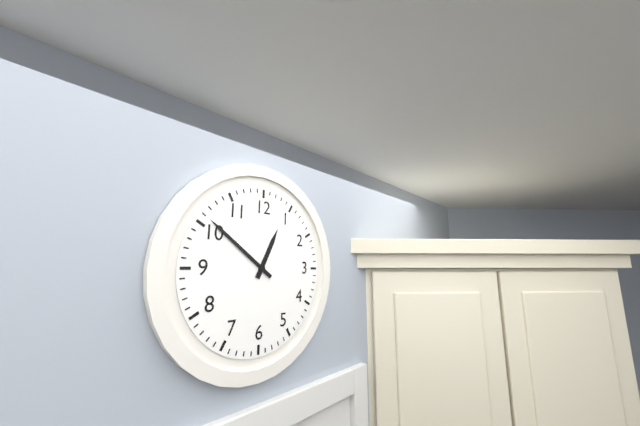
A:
12,51
